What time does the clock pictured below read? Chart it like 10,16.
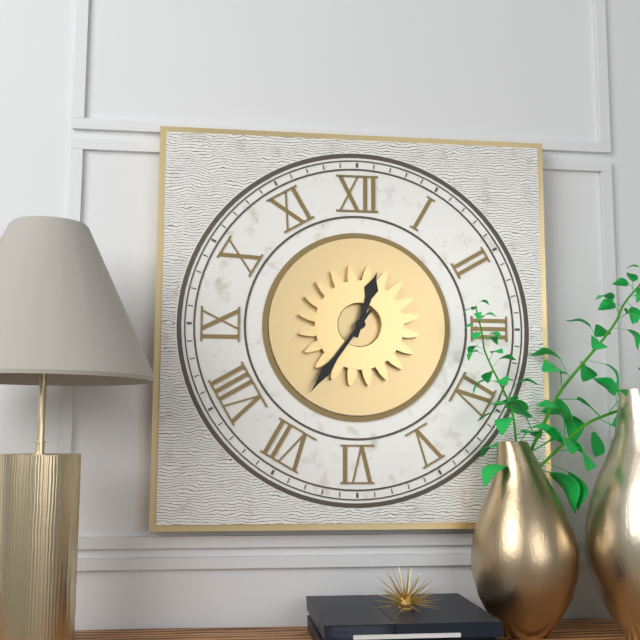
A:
12,36
